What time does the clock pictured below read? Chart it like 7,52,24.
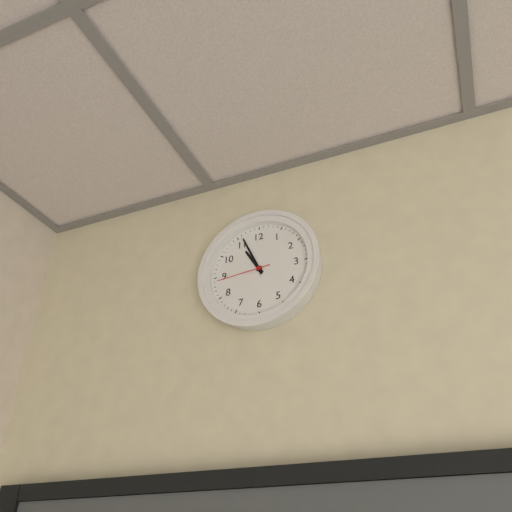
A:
10,56,44
